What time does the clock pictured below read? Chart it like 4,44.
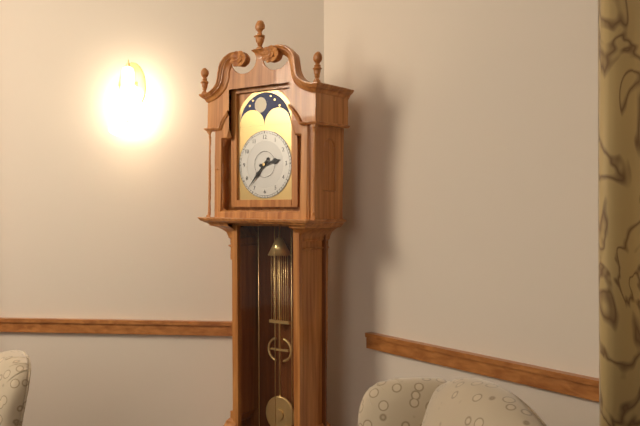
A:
2,37
